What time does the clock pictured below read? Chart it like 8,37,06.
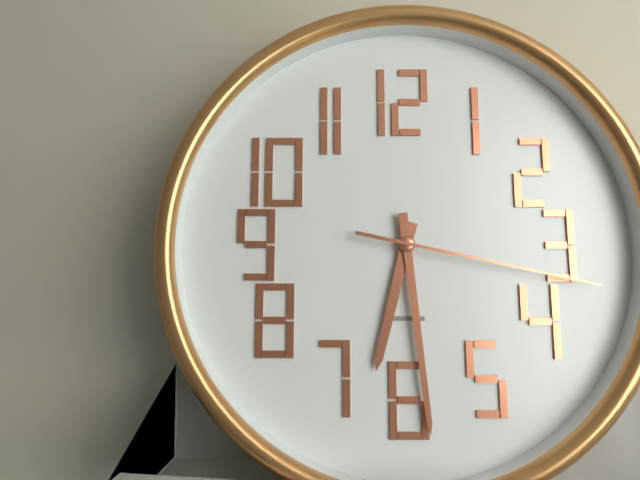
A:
6,29,17
